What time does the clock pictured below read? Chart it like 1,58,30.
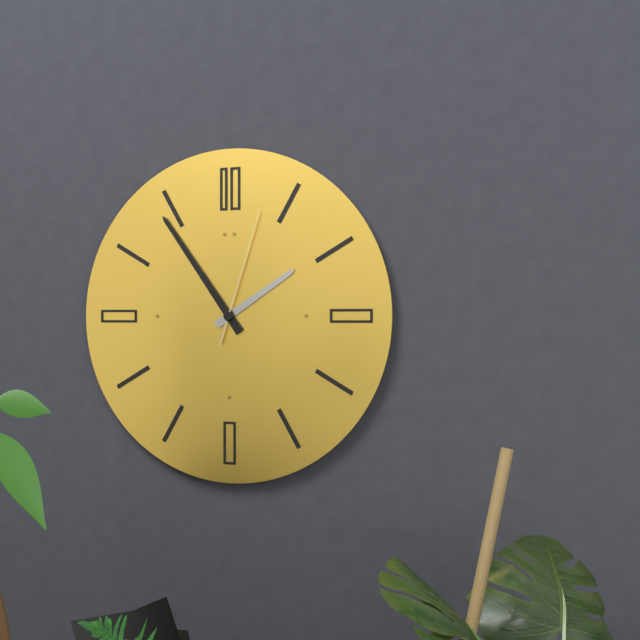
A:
1,54,03
